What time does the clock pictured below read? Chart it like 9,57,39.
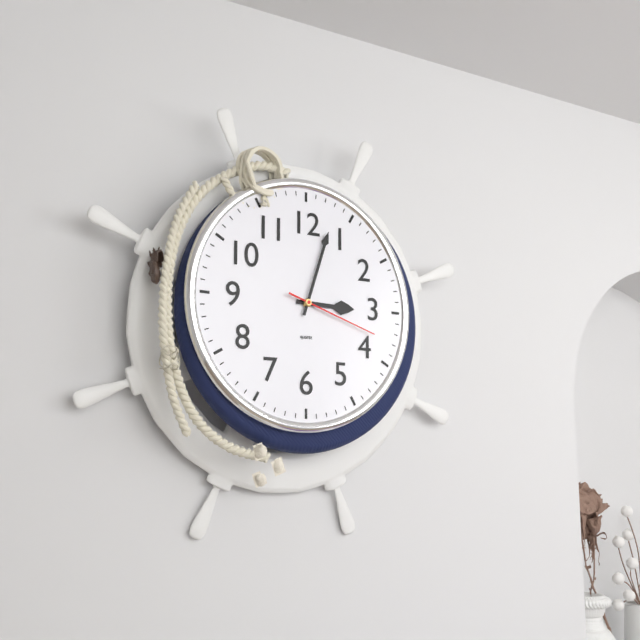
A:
3,03,18
